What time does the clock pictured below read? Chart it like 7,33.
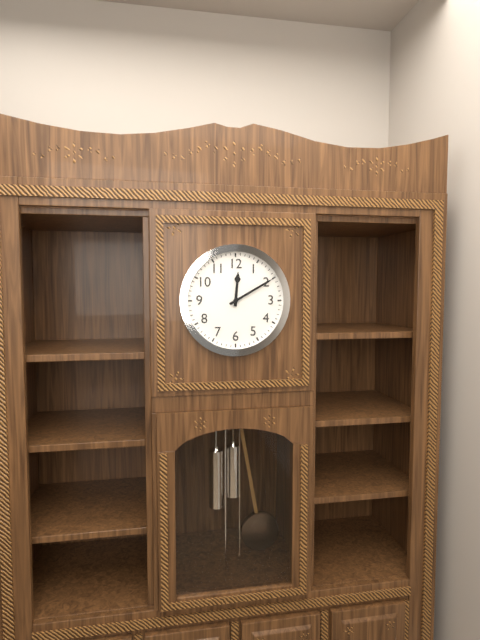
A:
12,10
